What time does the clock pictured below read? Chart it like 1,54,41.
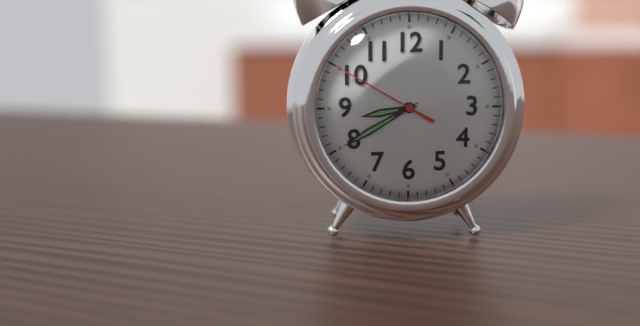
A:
8,40,50
